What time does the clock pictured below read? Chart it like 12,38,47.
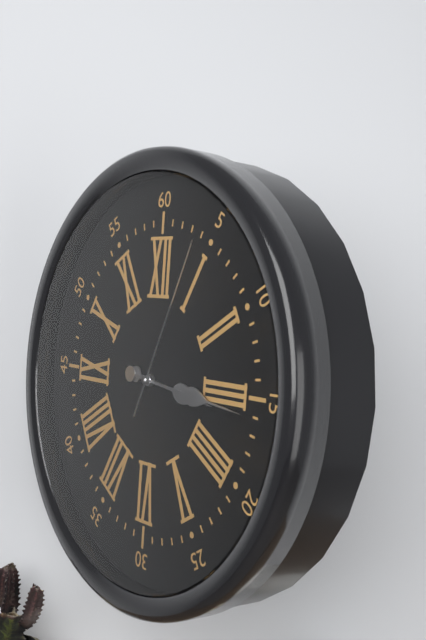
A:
3,16,04
